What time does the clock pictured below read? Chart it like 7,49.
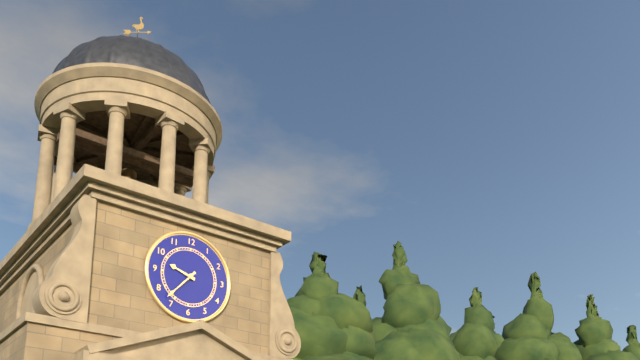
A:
9,37
